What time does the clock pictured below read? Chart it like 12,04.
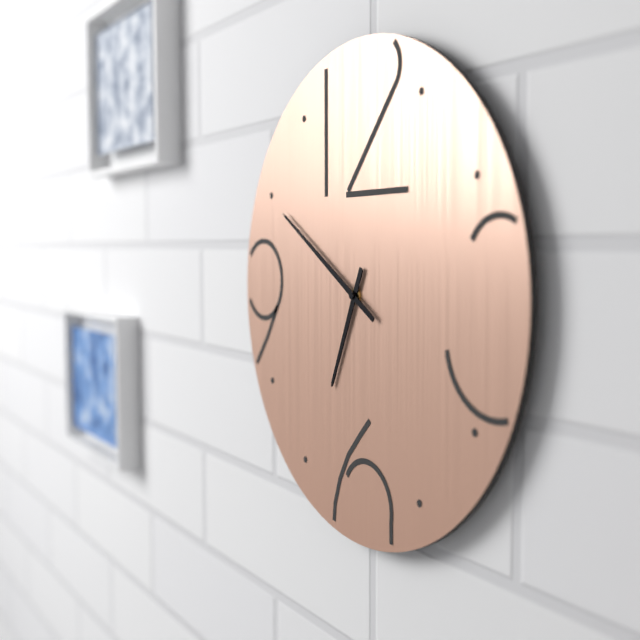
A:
6,50
